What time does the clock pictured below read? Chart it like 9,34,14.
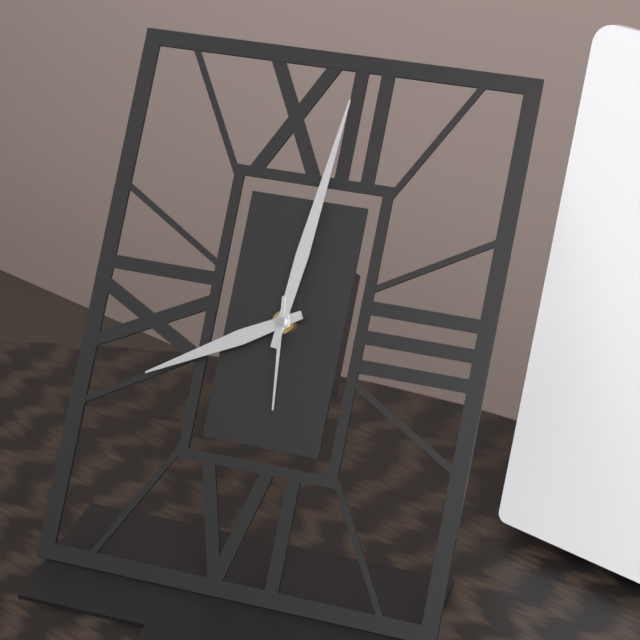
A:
8,01,29
